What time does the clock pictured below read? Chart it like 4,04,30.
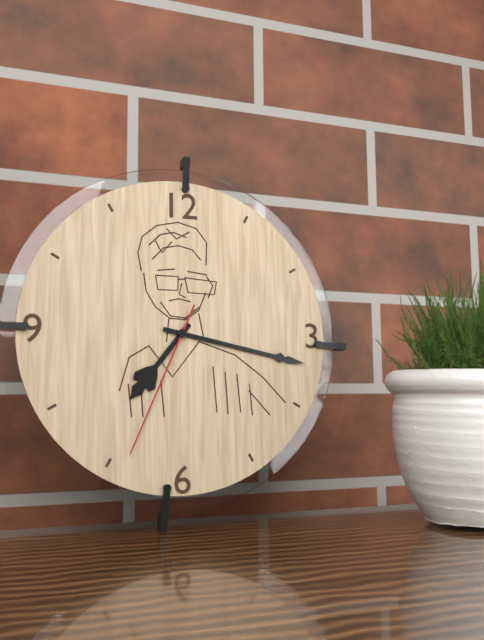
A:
7,17,34
